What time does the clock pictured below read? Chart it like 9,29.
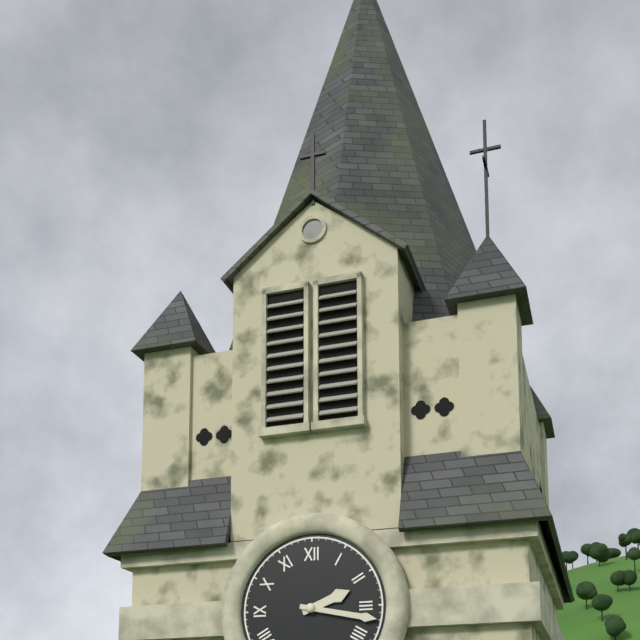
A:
2,17
